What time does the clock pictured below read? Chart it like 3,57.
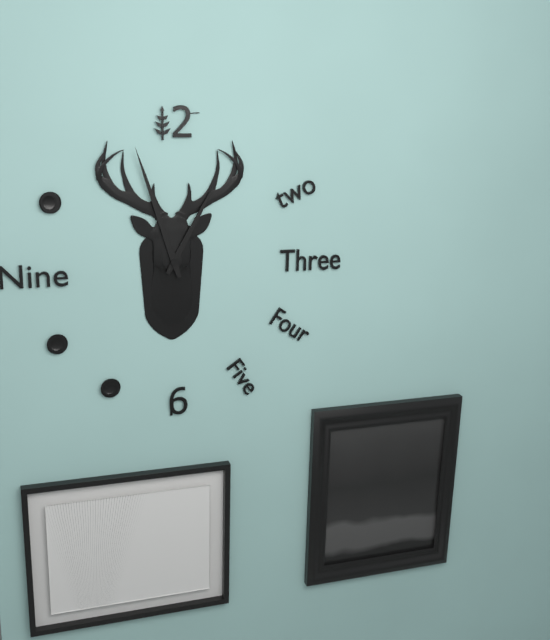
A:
12,57
